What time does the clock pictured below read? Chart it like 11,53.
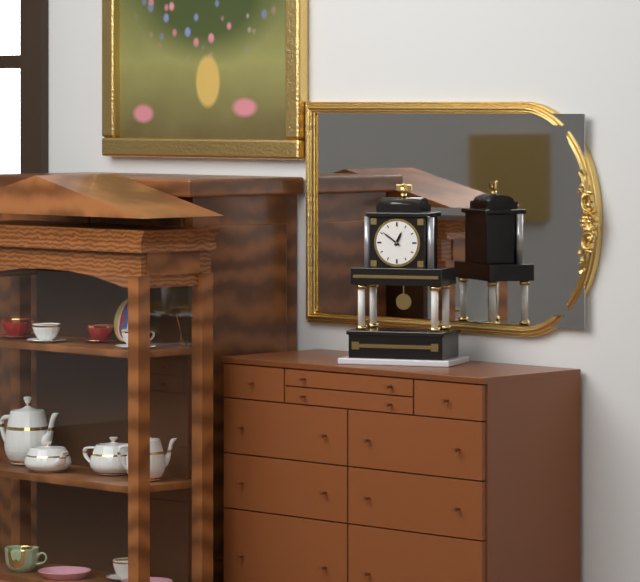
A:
12,51
